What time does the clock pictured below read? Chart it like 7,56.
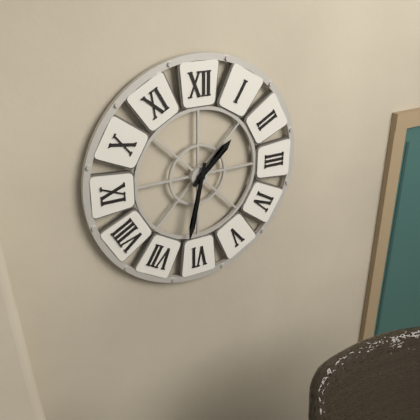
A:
1,32
